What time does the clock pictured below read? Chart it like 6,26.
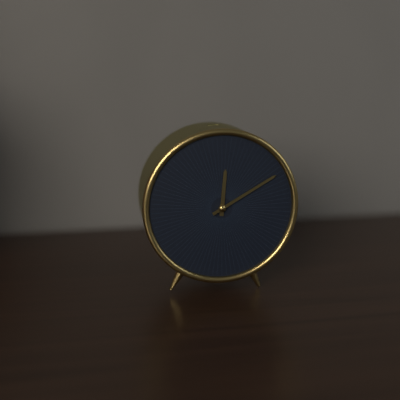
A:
12,10
